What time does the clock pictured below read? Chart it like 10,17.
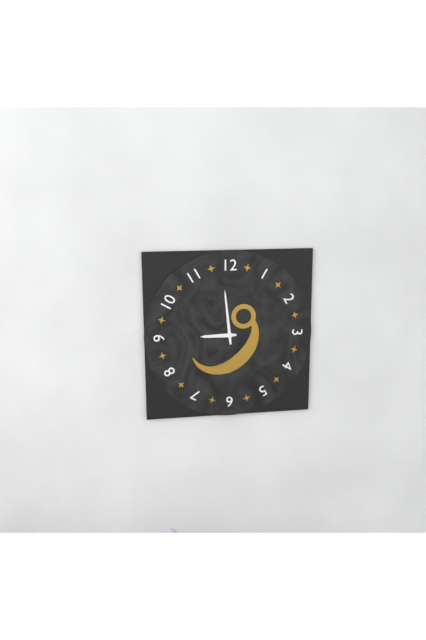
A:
8,59
